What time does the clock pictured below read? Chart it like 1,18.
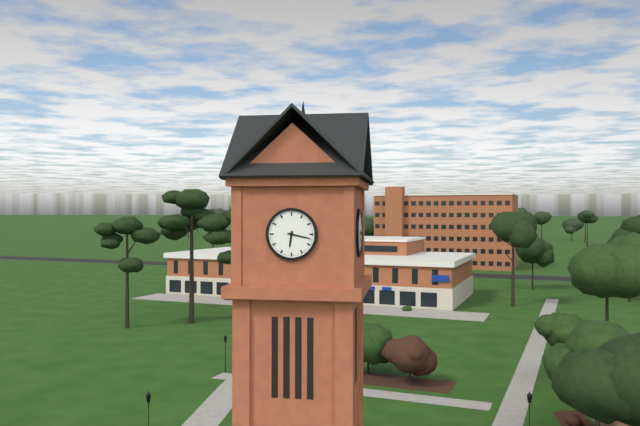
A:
6,17
